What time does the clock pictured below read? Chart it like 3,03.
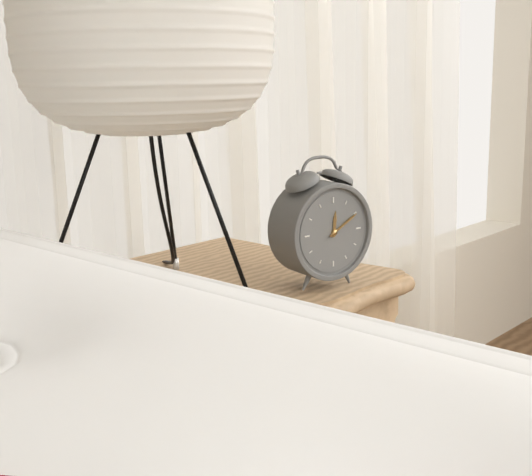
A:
12,10
